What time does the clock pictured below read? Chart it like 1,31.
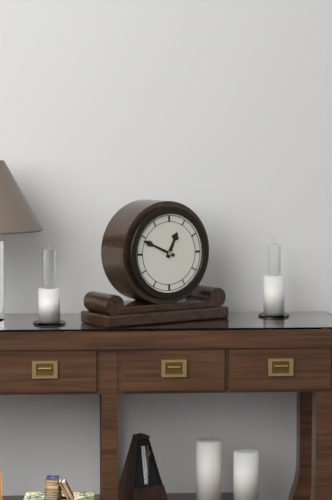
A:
12,49
